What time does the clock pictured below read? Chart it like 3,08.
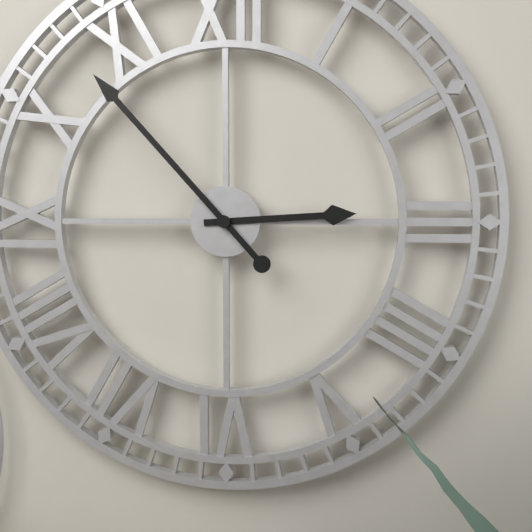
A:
2,53
